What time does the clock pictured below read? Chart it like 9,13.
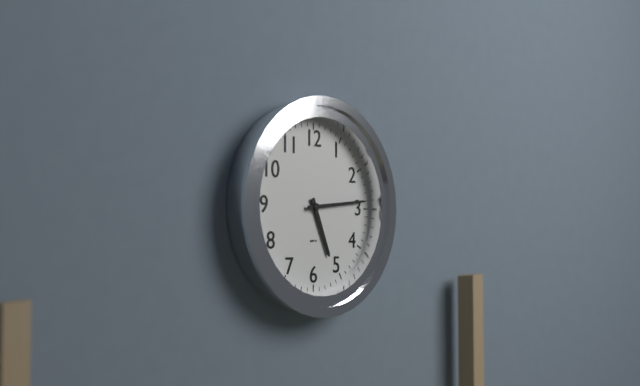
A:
5,14
